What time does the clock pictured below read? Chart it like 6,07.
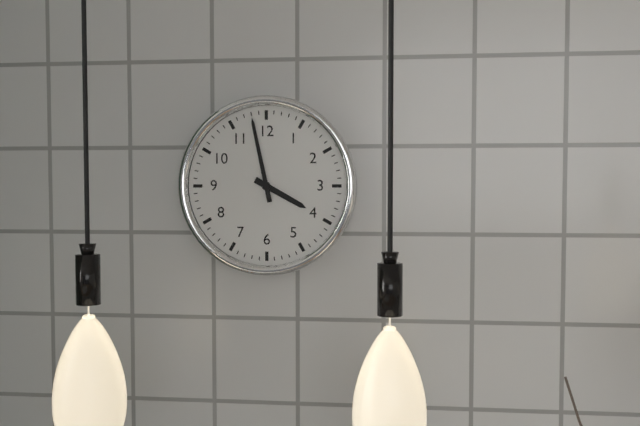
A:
3,58
